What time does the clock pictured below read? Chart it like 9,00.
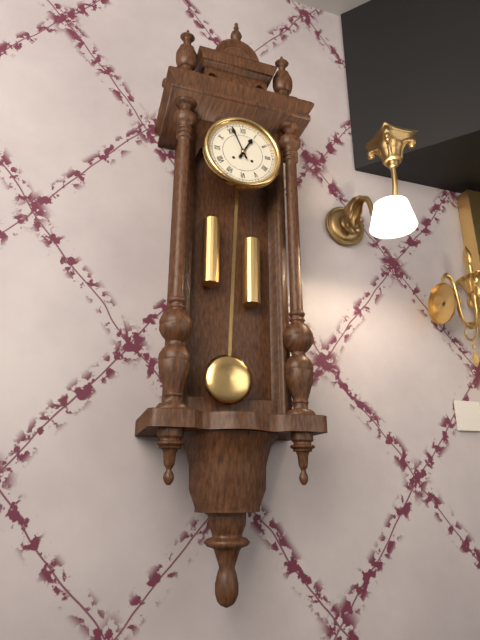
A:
12,56
